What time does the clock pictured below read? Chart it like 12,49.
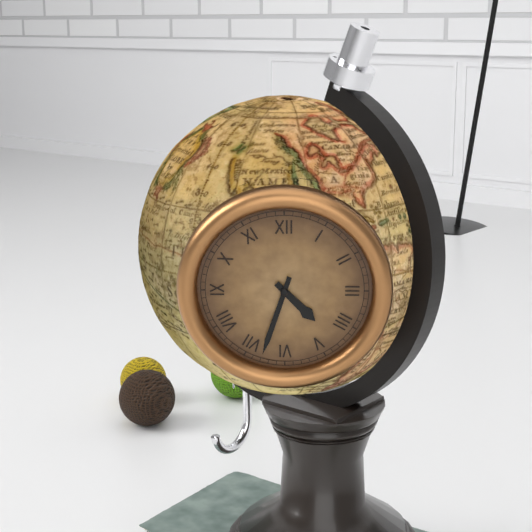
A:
4,33
